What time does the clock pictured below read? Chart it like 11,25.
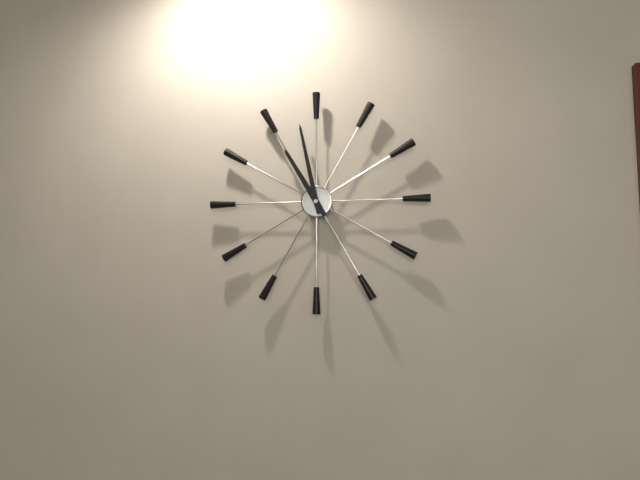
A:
10,58
